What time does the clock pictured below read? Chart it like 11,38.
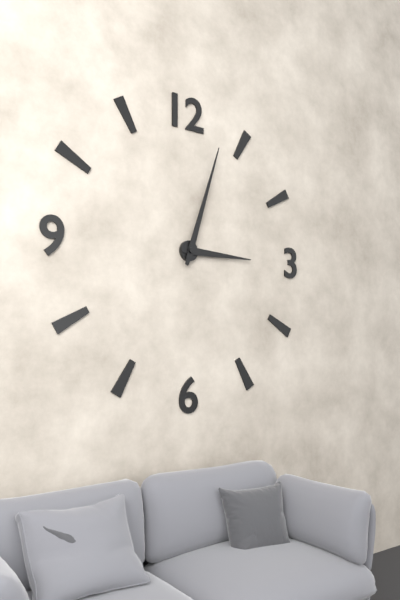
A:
3,03
